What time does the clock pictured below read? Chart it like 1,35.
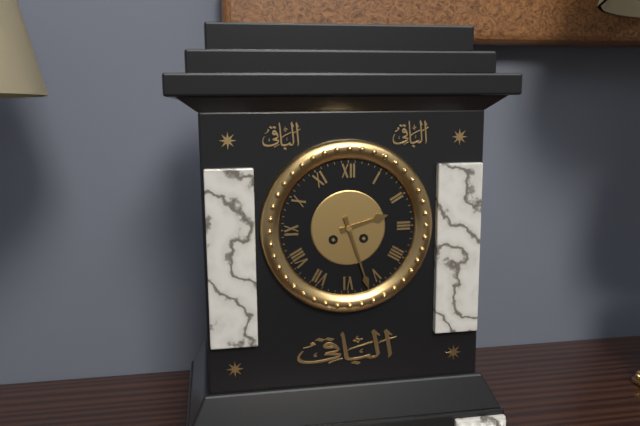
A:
2,27
